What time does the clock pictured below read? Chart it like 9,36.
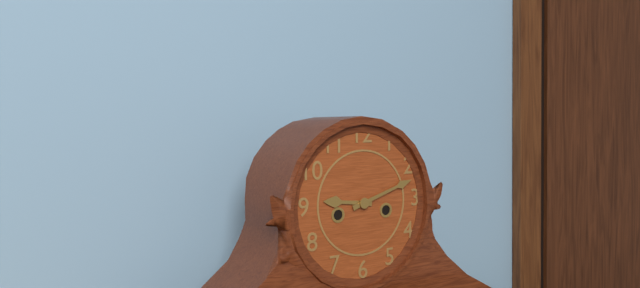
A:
9,12
